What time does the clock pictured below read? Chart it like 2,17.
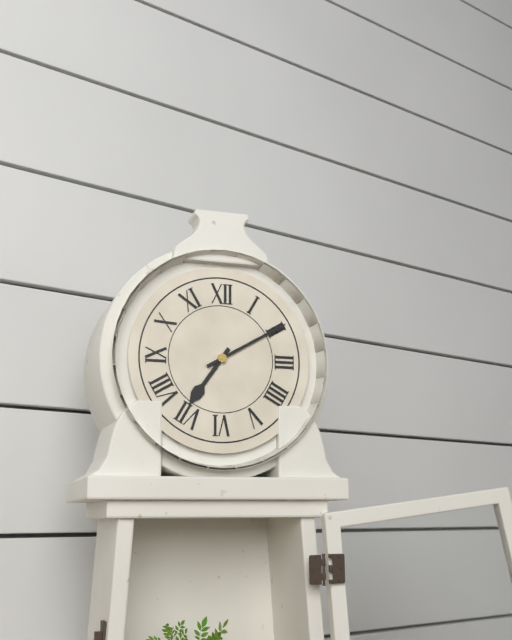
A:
7,10
